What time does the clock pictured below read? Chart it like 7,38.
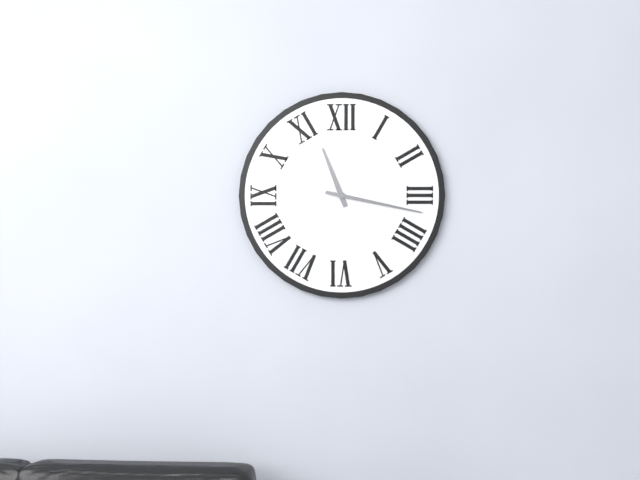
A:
11,17
